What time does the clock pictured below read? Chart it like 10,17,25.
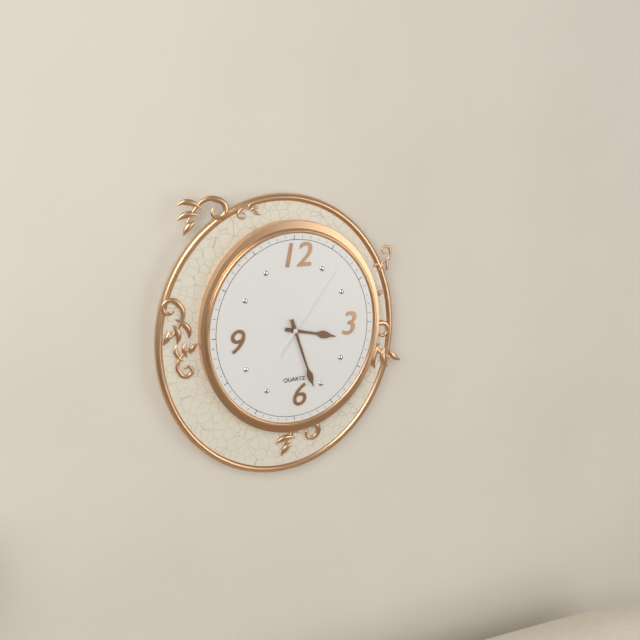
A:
3,27,06
